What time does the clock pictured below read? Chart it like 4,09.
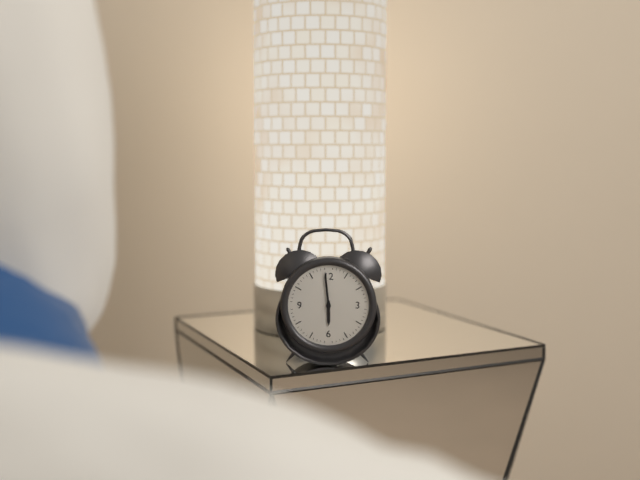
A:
5,59
